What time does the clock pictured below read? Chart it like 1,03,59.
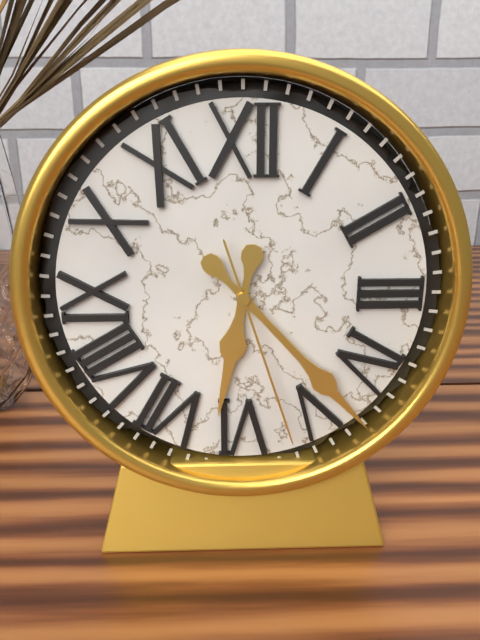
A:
6,23,27
